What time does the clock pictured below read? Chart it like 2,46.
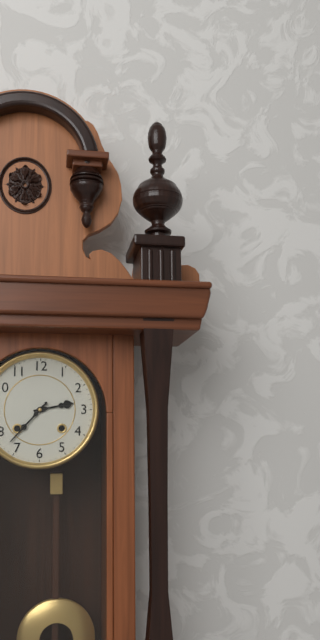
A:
2,37
